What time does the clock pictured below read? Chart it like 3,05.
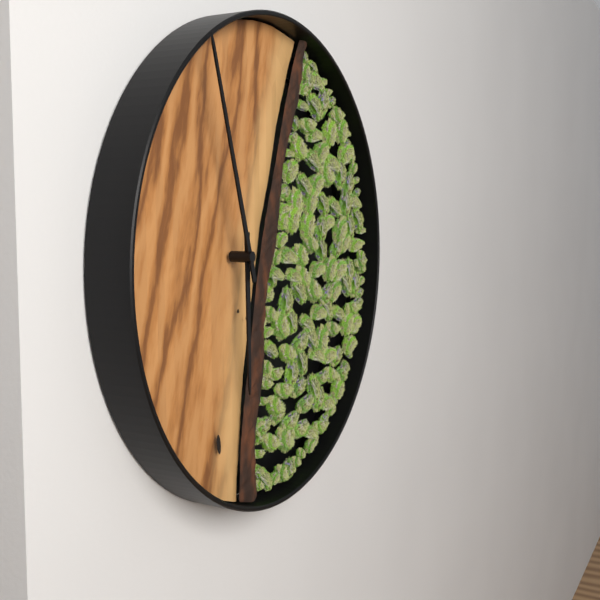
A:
5,57
